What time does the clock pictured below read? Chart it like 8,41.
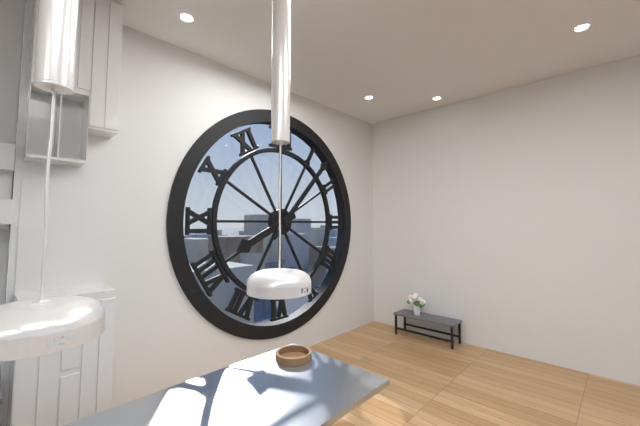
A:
8,07
